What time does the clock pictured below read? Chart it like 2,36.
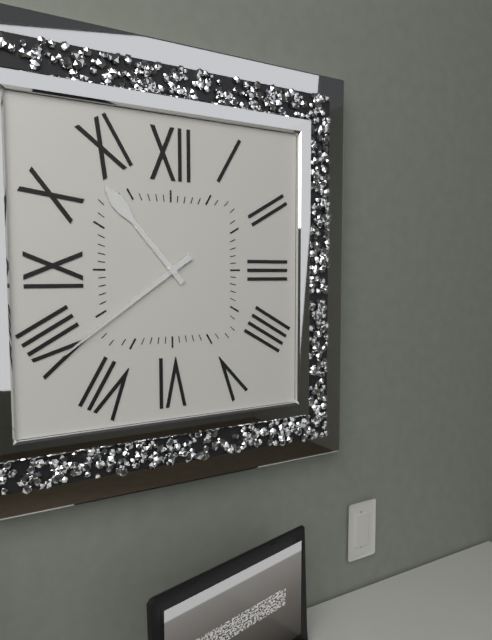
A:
10,39
